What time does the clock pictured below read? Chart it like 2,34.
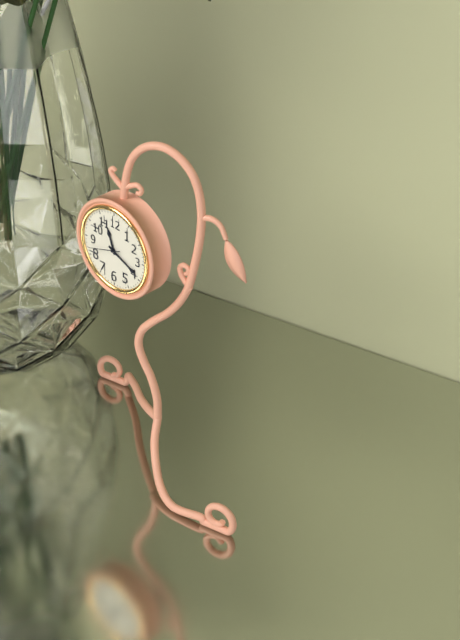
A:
11,19
